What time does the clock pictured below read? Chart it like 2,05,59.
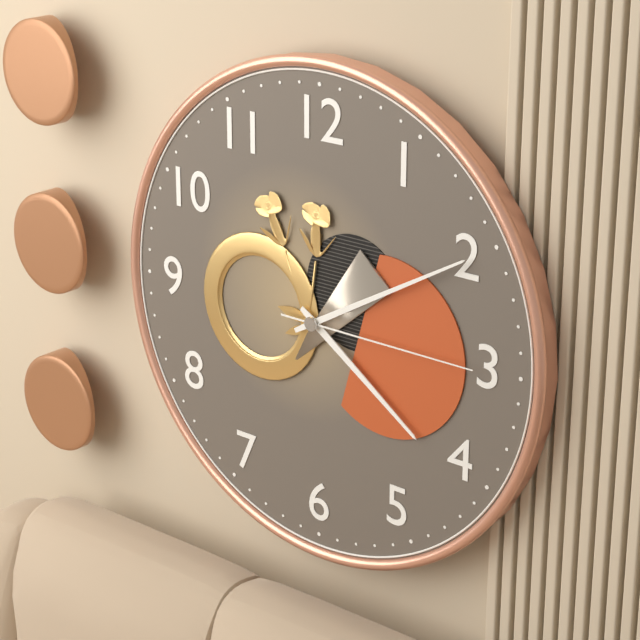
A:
4,10,15
